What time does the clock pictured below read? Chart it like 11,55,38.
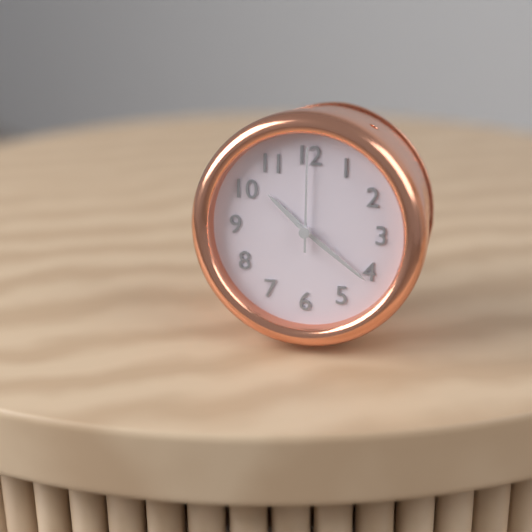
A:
10,21,00
